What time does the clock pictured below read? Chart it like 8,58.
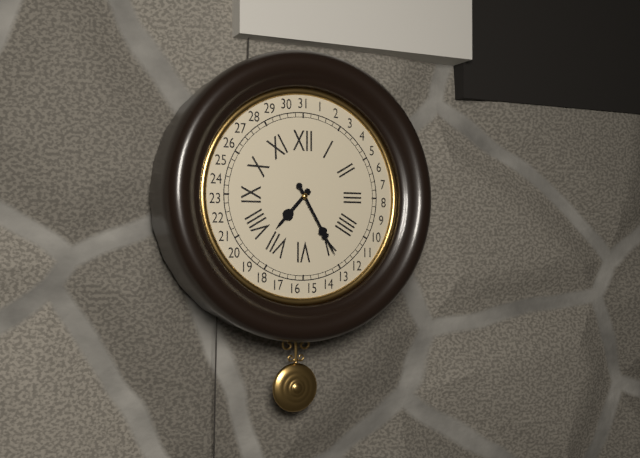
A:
7,25
